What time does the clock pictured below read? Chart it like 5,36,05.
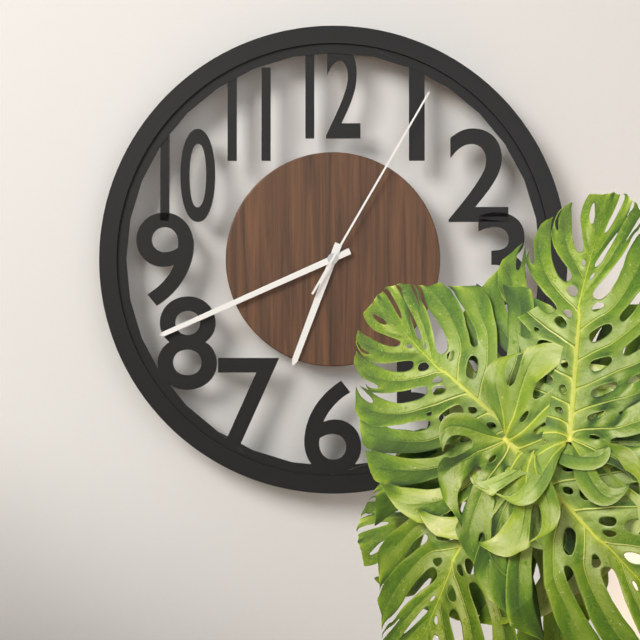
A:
6,41,05
